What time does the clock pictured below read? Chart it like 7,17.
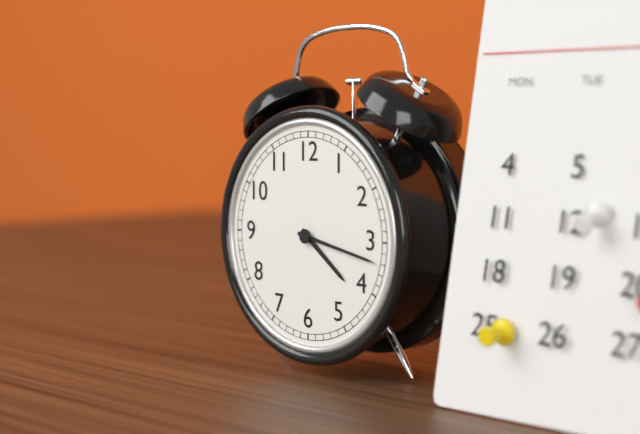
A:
4,17
